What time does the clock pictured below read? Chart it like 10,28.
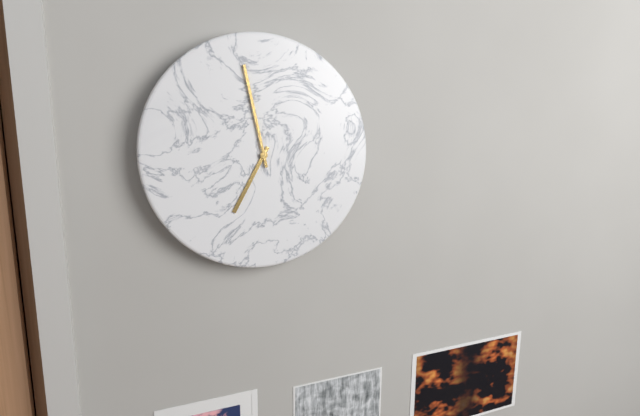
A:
6,58
